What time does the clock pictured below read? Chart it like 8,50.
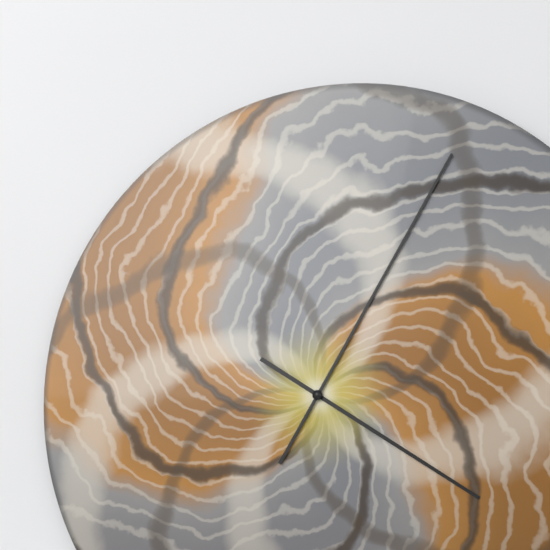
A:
4,05
